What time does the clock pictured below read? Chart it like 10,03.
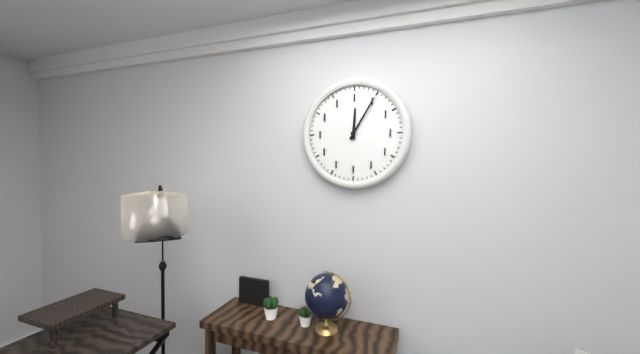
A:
12,05
